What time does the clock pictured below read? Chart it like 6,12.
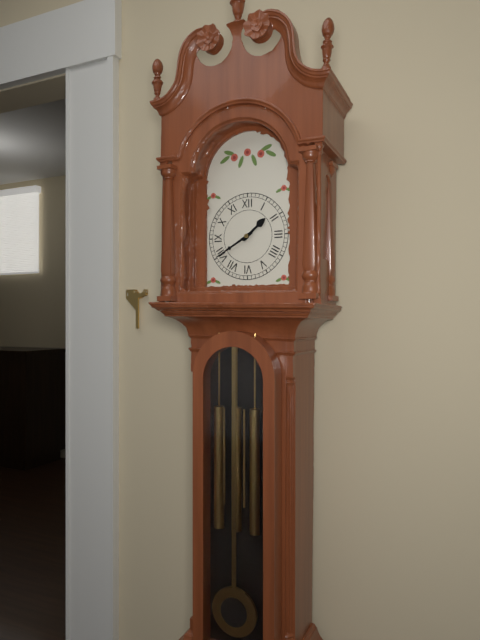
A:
1,40
